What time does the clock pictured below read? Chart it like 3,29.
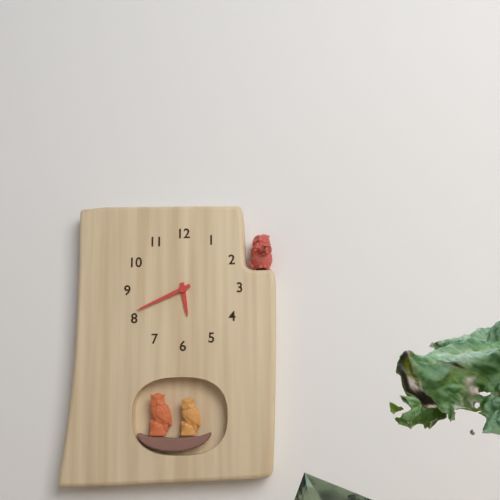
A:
5,41
